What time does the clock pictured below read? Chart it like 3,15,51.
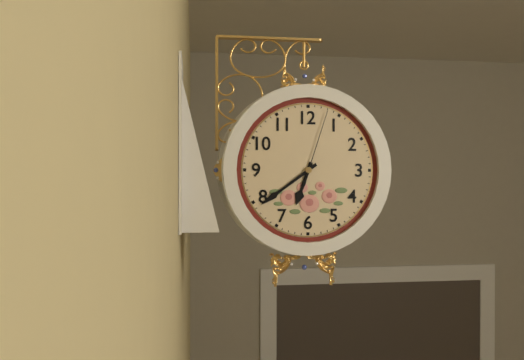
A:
6,39,03
